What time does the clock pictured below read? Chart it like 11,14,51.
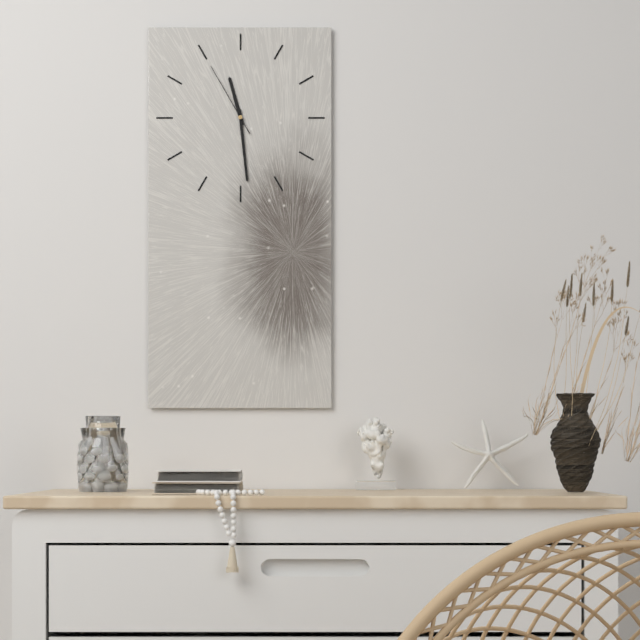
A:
11,29,55
